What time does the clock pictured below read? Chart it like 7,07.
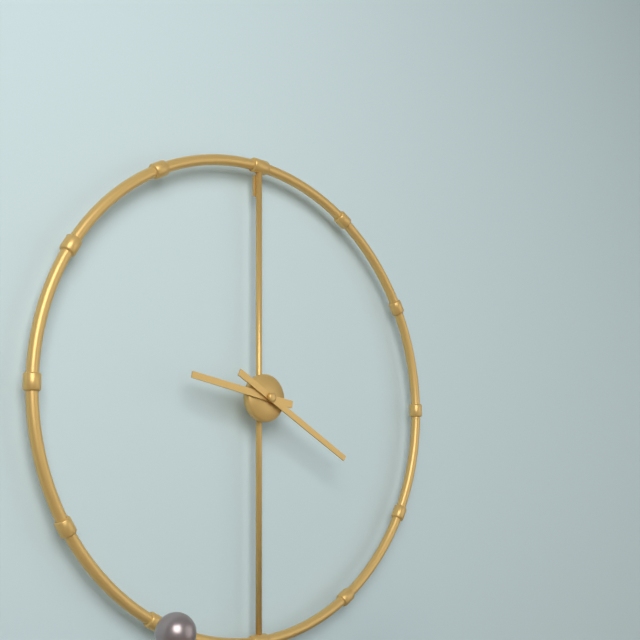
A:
9,20
